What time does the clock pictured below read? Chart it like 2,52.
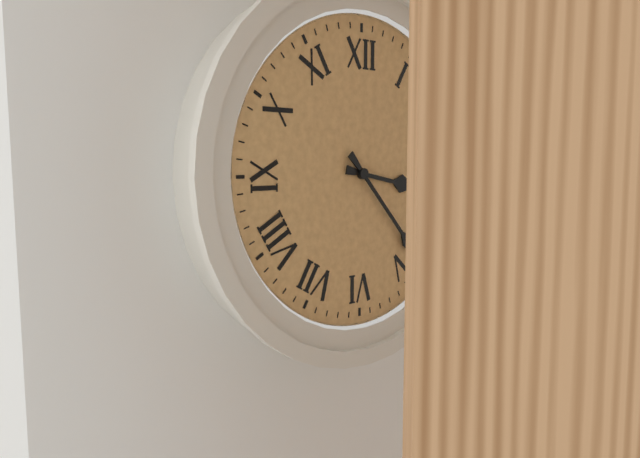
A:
3,23
